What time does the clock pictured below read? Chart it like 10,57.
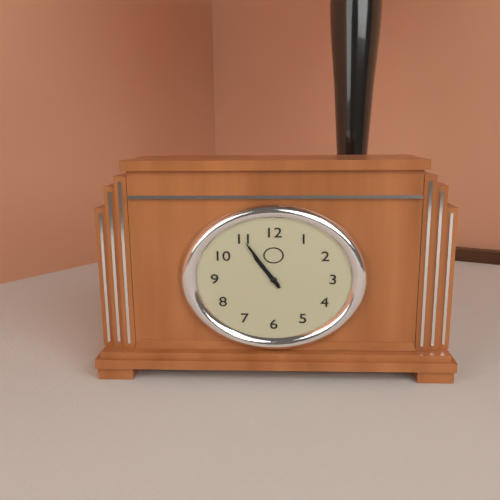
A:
10,55
